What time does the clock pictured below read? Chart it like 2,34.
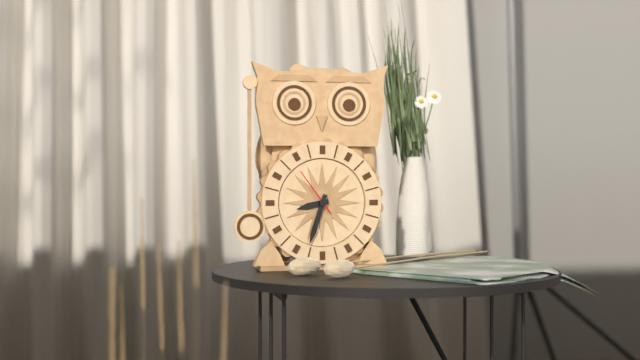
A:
8,33
